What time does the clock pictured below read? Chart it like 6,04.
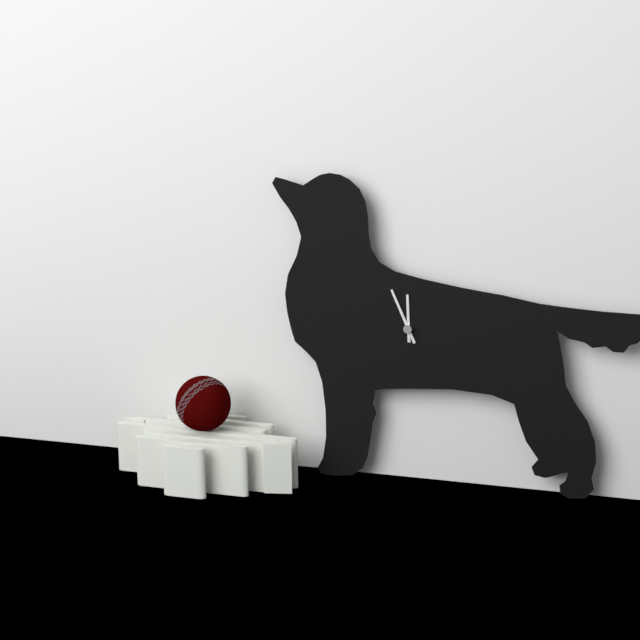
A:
11,56
